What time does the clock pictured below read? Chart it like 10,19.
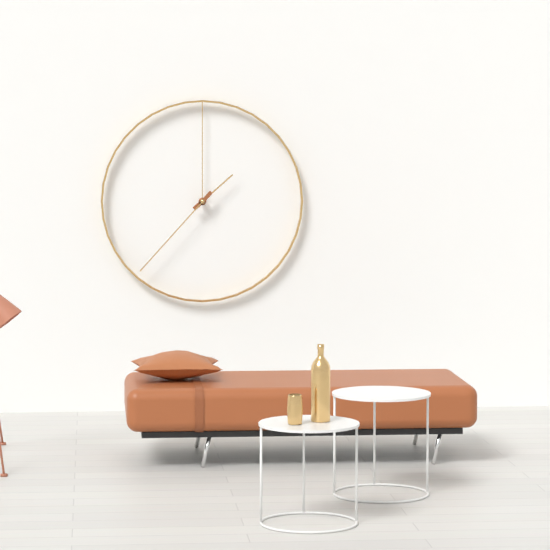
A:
1,37
